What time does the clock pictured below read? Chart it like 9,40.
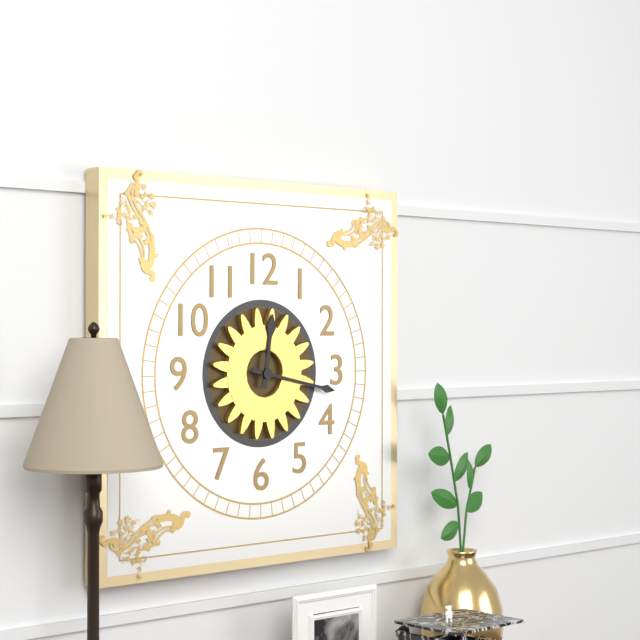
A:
12,17
